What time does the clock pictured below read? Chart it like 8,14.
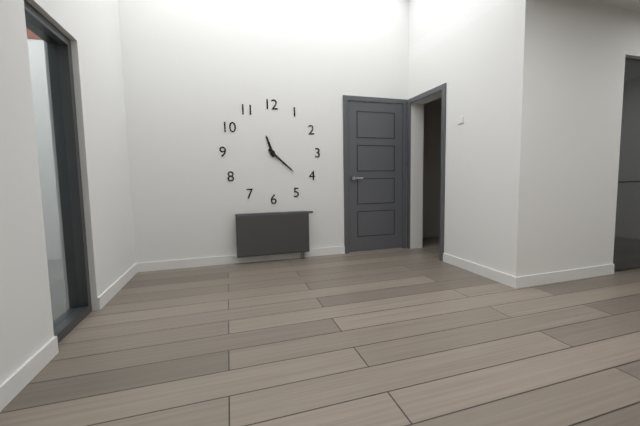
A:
11,22
